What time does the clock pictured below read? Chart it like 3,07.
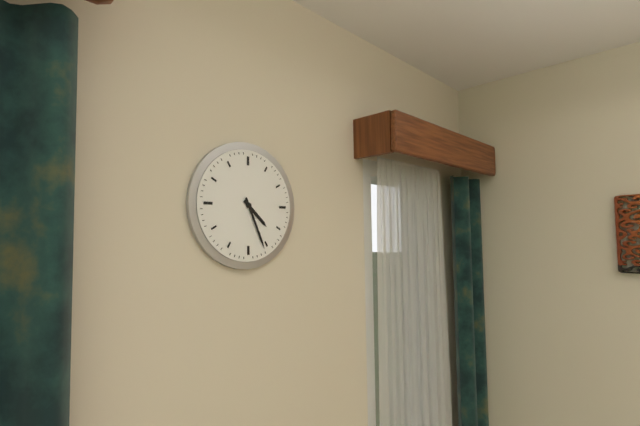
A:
4,26
